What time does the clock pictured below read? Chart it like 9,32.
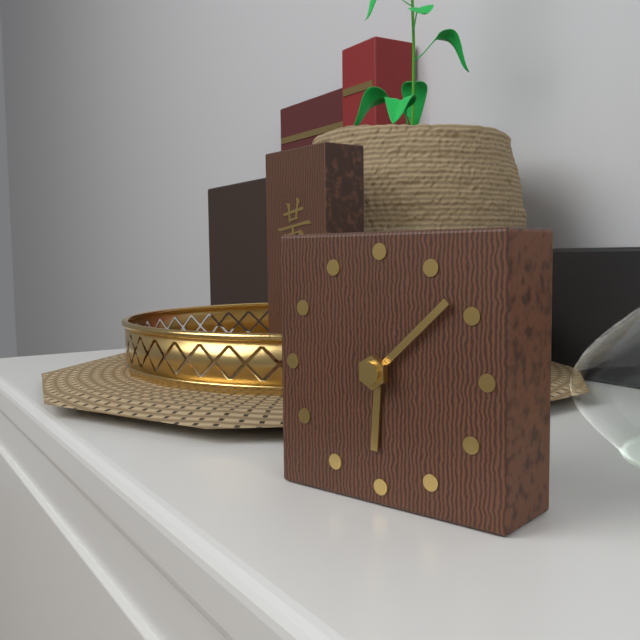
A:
6,08
